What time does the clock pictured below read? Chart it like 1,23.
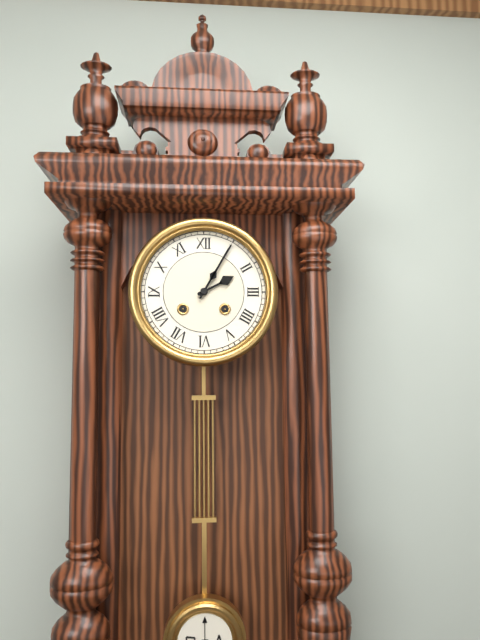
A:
2,05
